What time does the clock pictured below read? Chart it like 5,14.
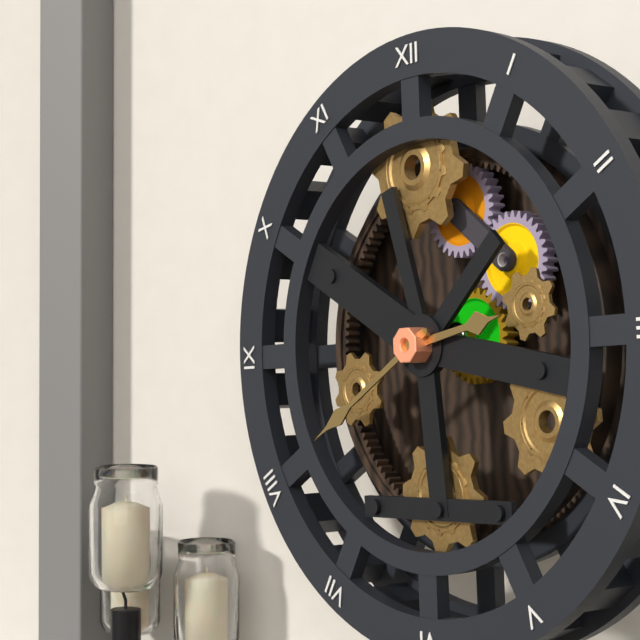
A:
2,40
